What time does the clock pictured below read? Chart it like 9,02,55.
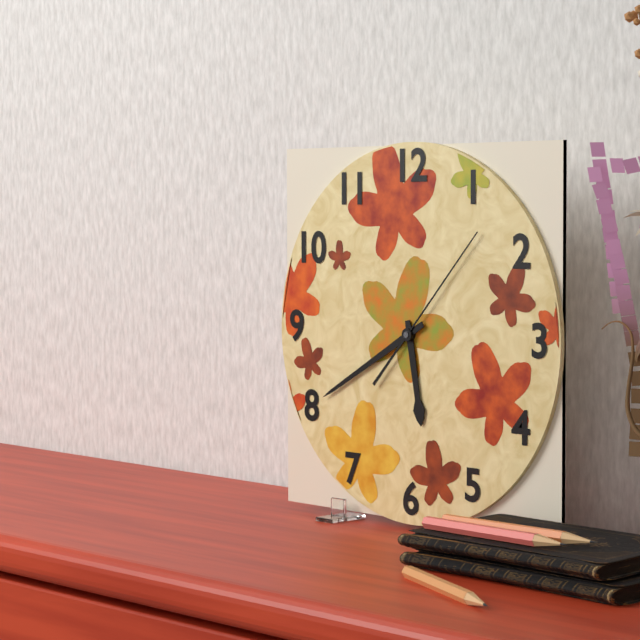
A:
5,40,07
